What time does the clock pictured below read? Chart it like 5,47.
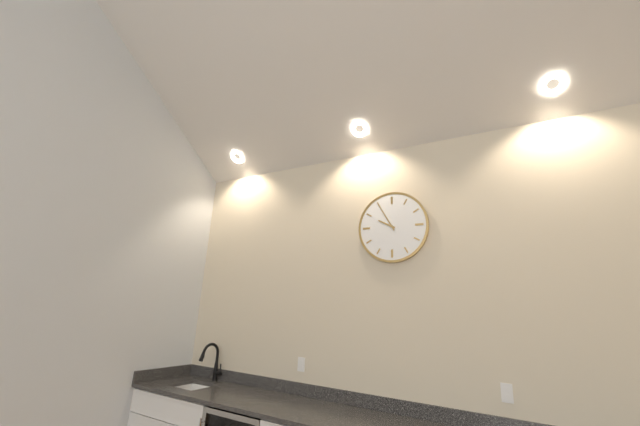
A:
9,55
